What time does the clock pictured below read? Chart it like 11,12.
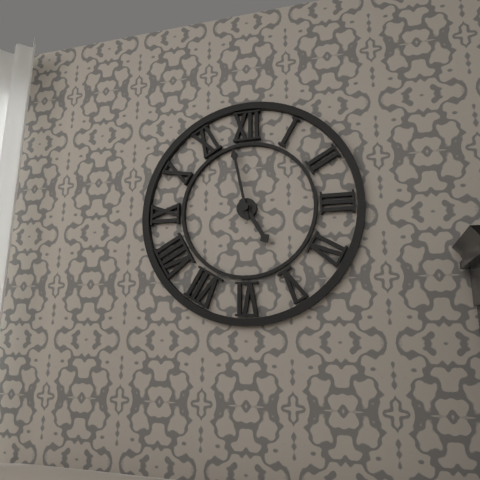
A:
4,58
